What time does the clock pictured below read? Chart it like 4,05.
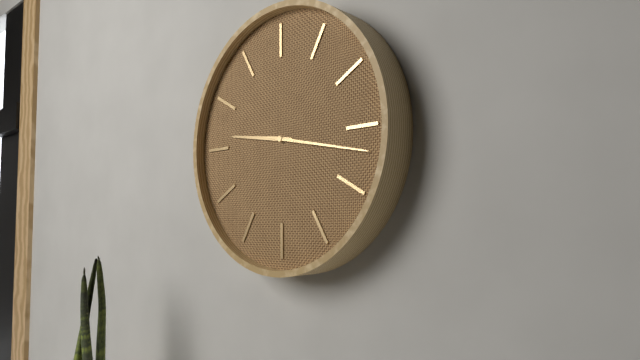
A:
9,17
